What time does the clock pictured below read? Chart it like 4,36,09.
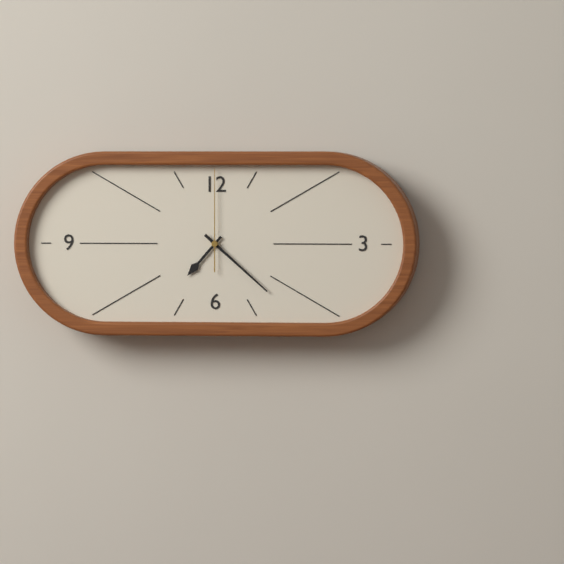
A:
7,22,00
